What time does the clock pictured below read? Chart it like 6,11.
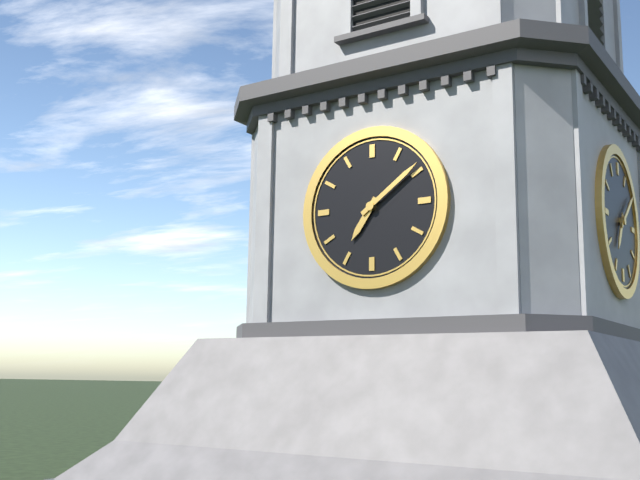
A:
7,09
